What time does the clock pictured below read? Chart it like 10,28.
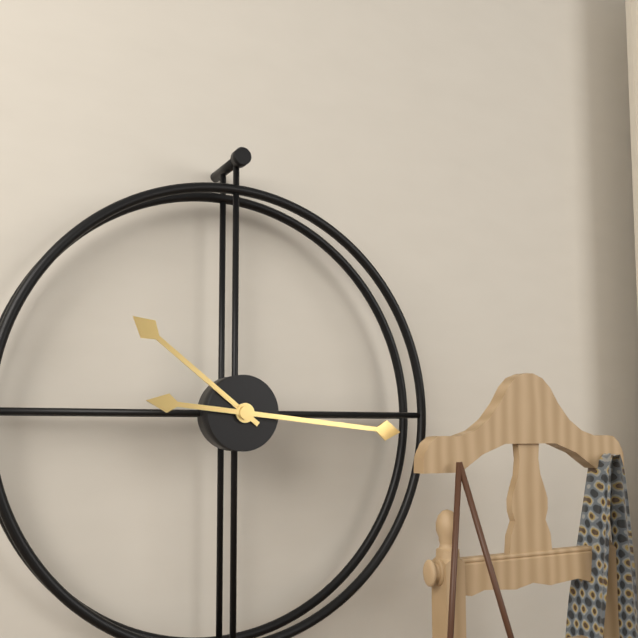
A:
10,16
